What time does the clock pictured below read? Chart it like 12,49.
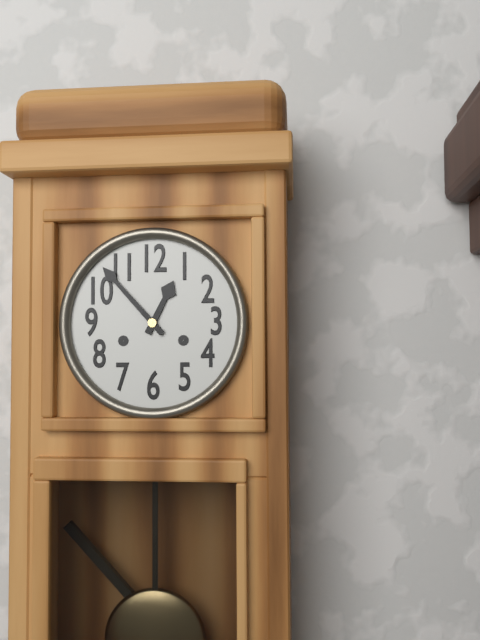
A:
12,53
